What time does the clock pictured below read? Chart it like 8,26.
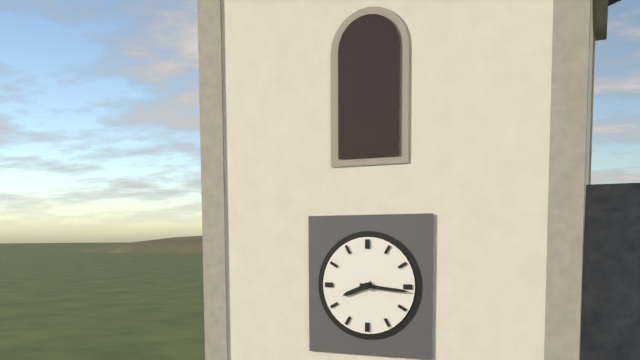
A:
8,16
